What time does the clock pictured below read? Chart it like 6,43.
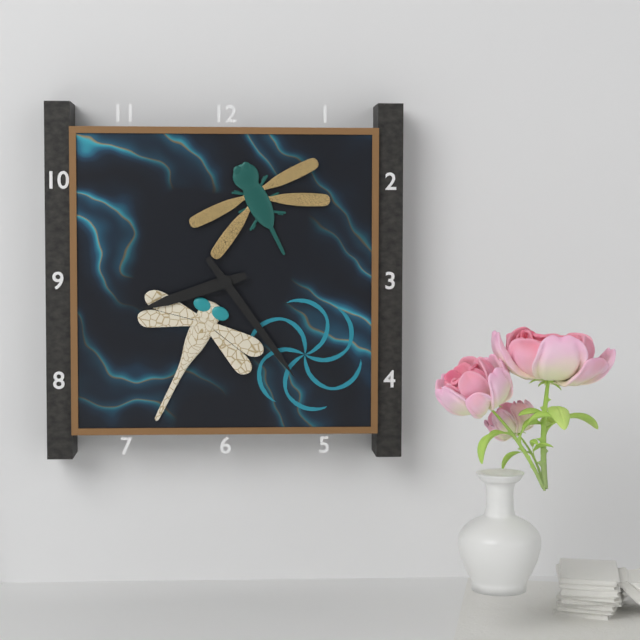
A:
8,24
